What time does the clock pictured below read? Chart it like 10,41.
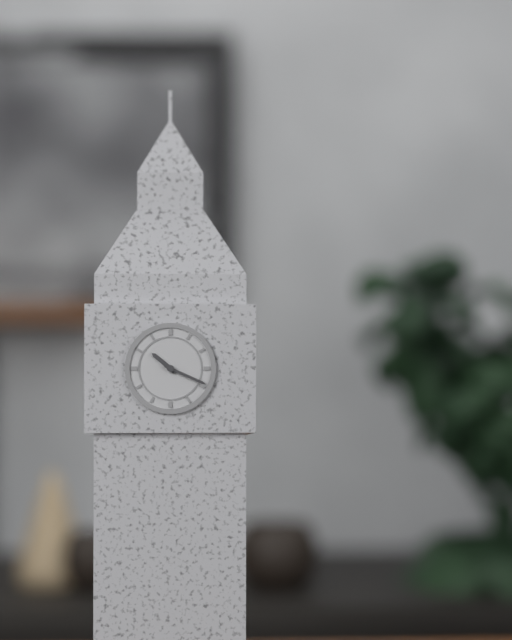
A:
10,19
